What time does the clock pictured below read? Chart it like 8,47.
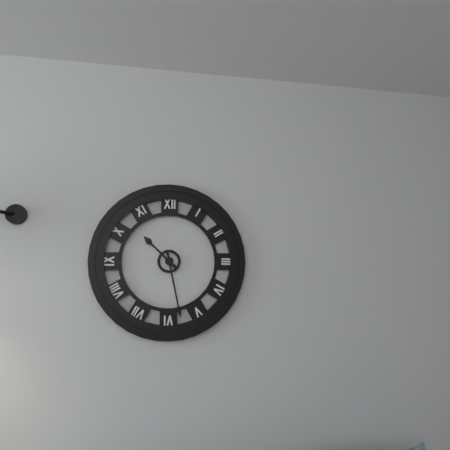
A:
10,28
